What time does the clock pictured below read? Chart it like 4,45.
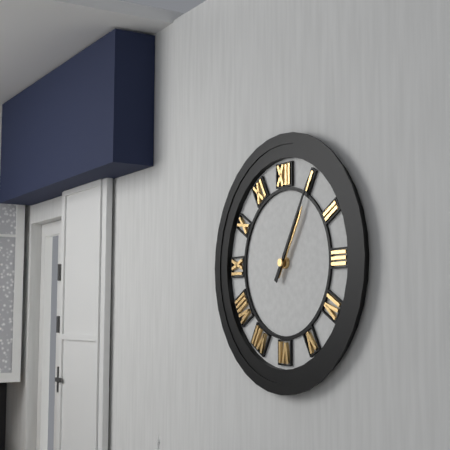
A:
1,05
